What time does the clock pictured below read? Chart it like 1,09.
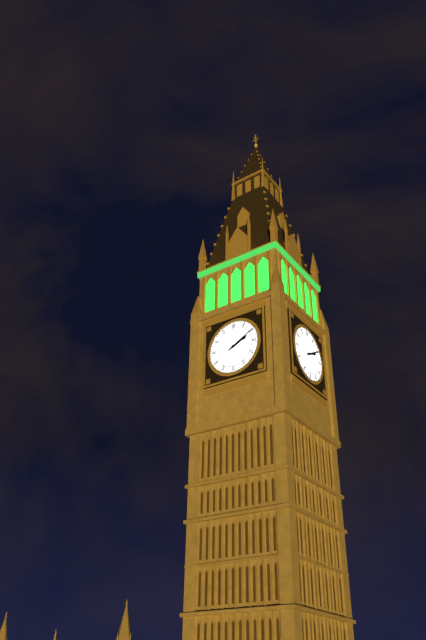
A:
2,10
